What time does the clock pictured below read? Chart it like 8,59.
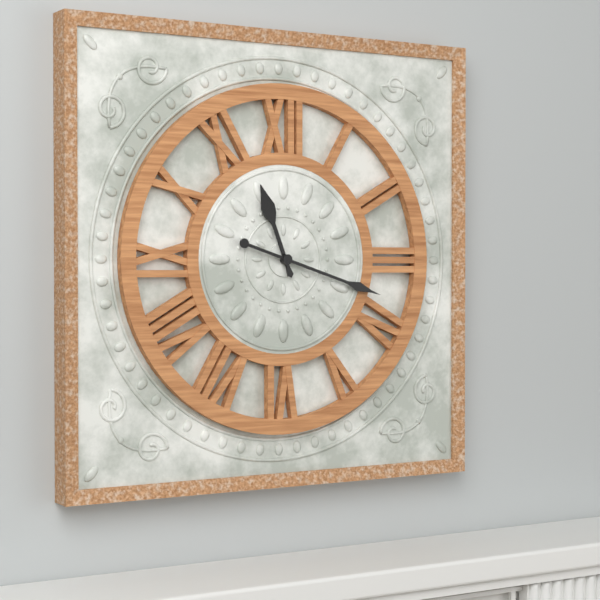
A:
11,18
